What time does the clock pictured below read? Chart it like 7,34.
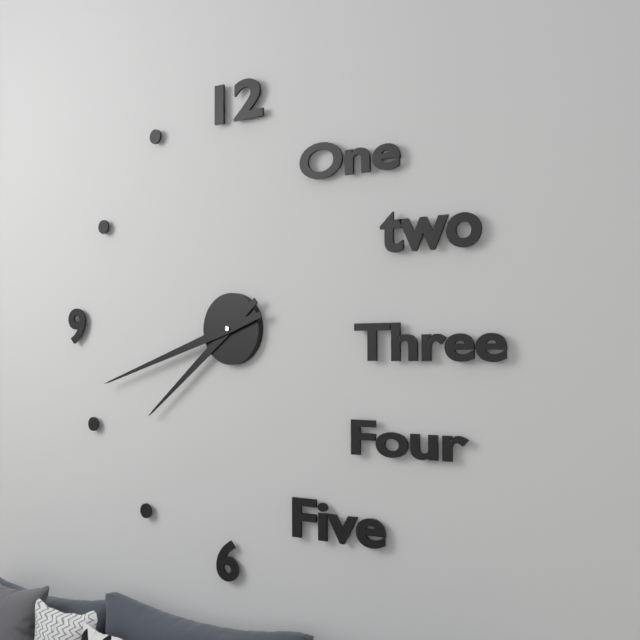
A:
7,42
